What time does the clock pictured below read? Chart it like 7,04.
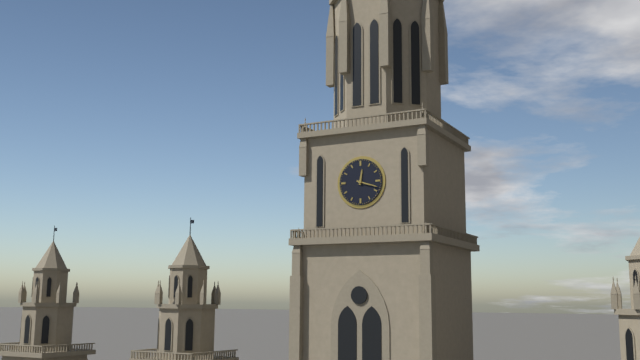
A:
12,18
